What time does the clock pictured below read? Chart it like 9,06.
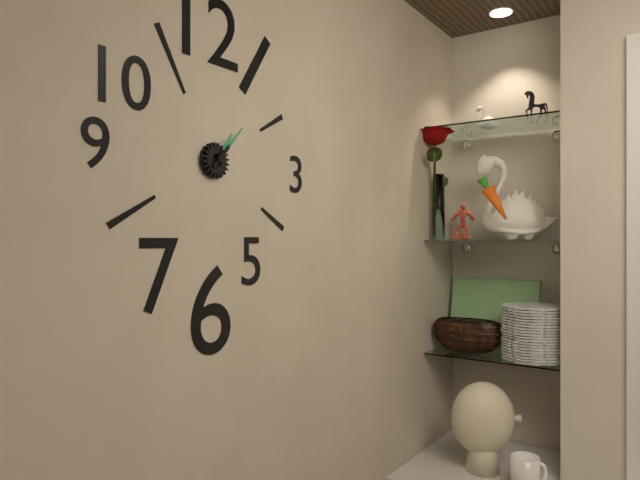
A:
1,07
